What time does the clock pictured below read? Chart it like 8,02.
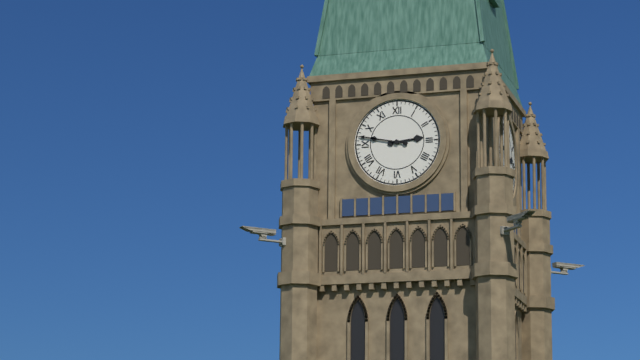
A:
2,47
